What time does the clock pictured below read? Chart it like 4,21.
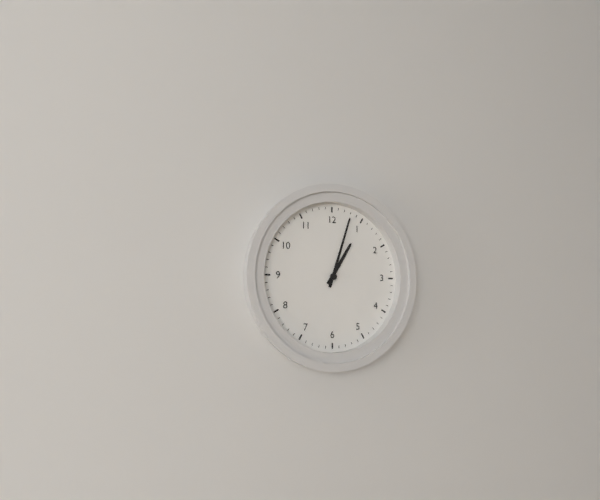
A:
1,03
